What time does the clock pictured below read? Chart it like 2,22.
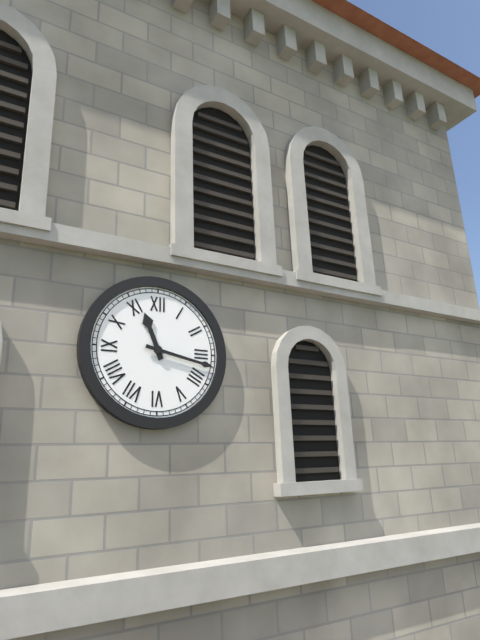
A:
11,17
